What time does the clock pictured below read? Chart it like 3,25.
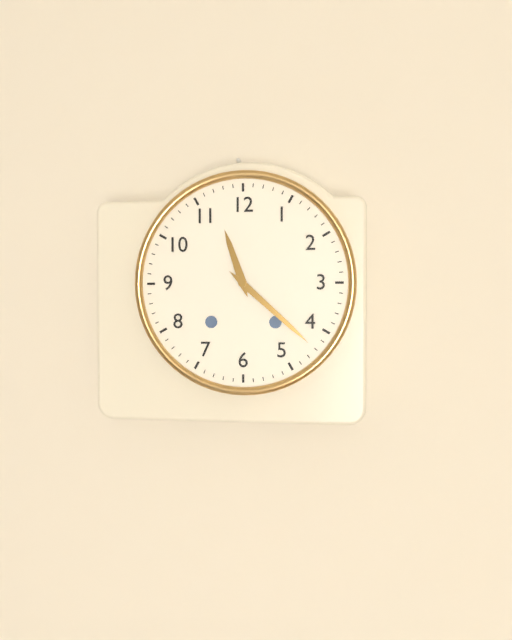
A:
11,22
